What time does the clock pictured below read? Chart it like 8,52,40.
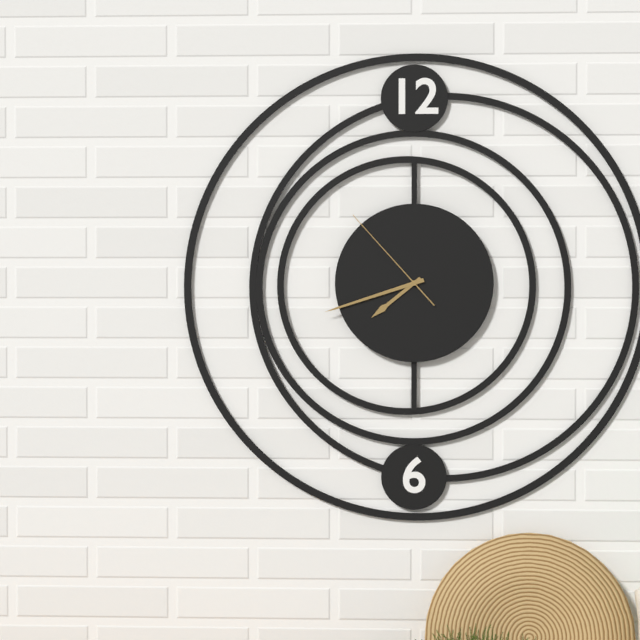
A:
7,42,53
